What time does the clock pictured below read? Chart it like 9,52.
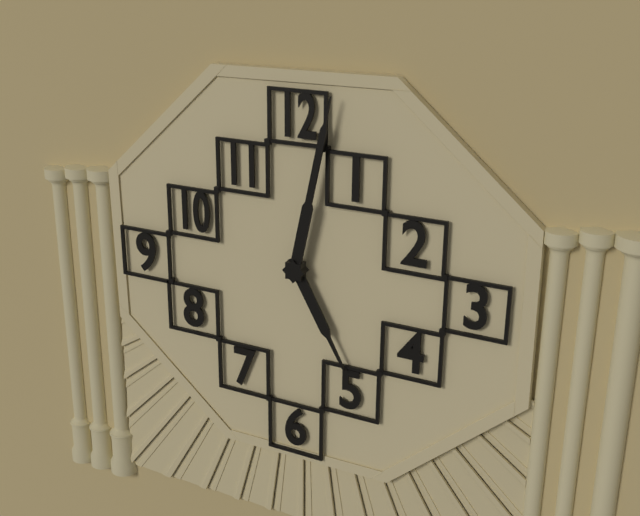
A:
5,02
